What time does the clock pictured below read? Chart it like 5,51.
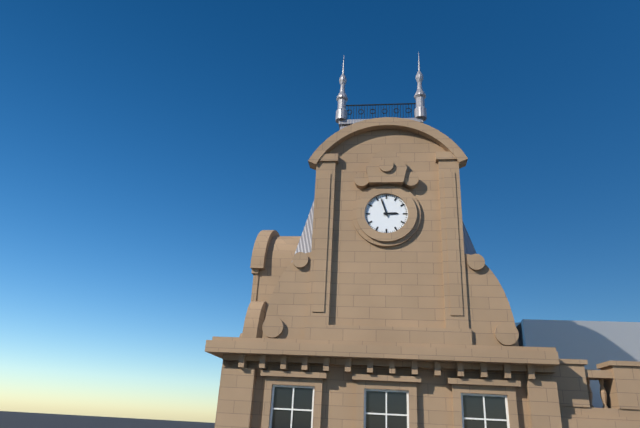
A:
2,57
